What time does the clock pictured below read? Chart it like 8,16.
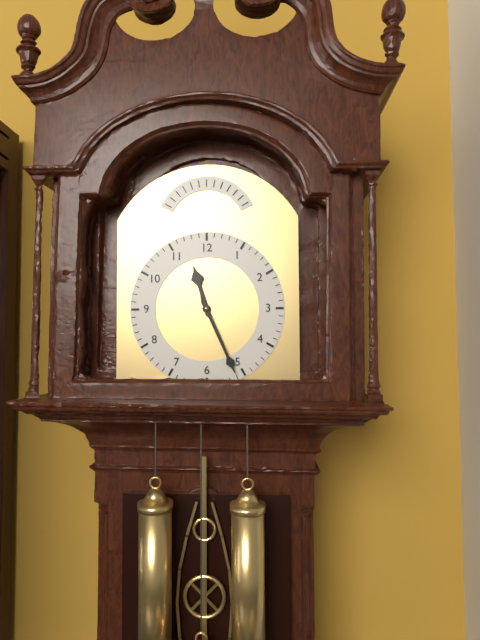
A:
11,26
